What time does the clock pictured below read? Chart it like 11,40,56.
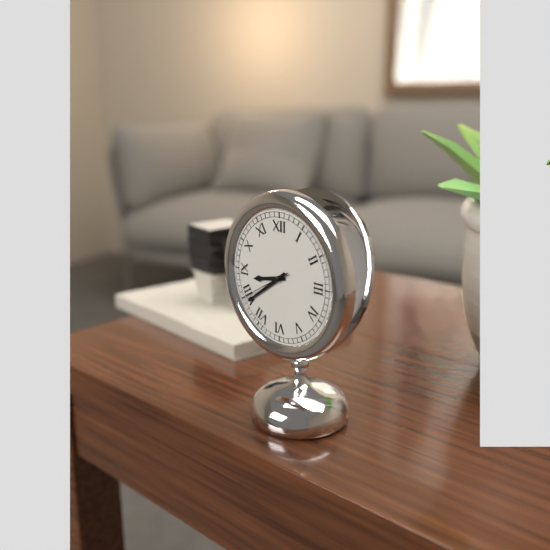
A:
8,39,40
